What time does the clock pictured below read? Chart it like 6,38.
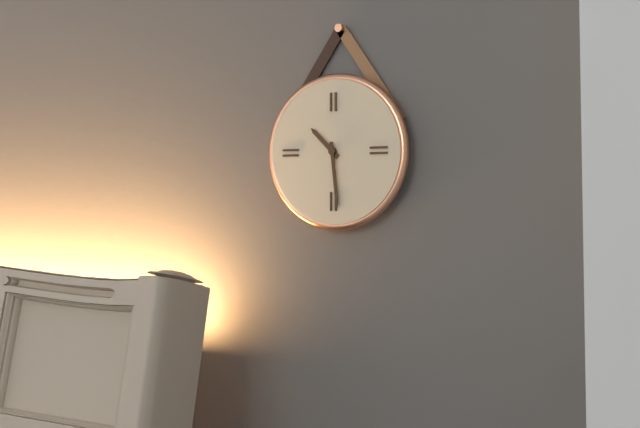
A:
10,29
